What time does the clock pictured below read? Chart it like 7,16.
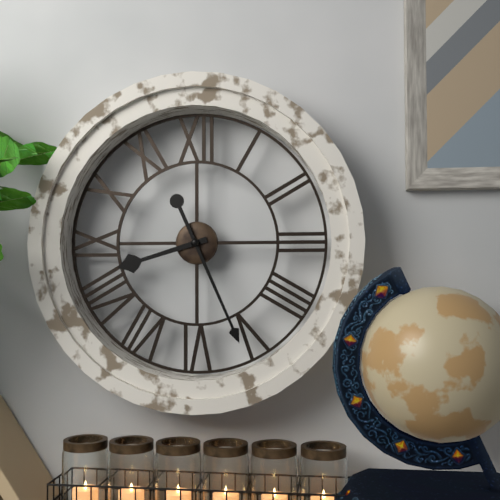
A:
8,26
